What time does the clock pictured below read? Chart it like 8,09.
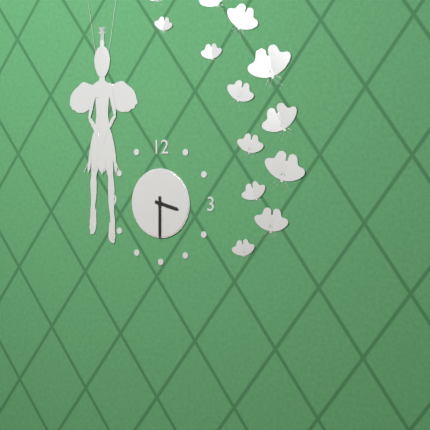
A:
3,30
